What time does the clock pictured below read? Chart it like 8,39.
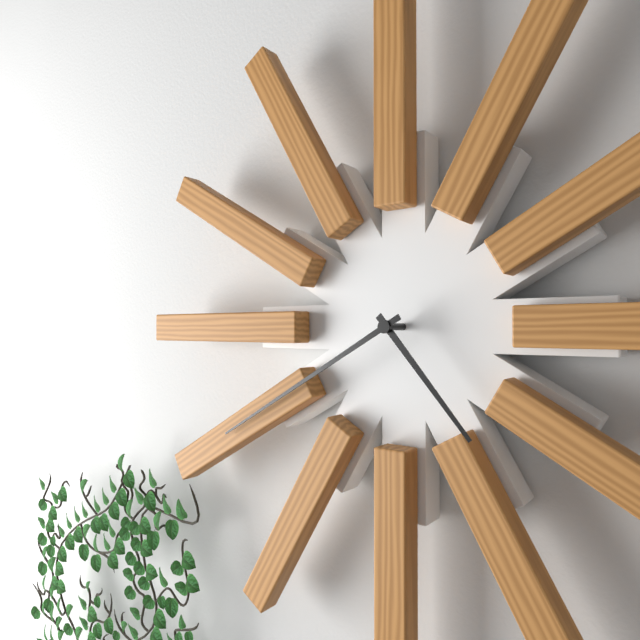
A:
4,40
